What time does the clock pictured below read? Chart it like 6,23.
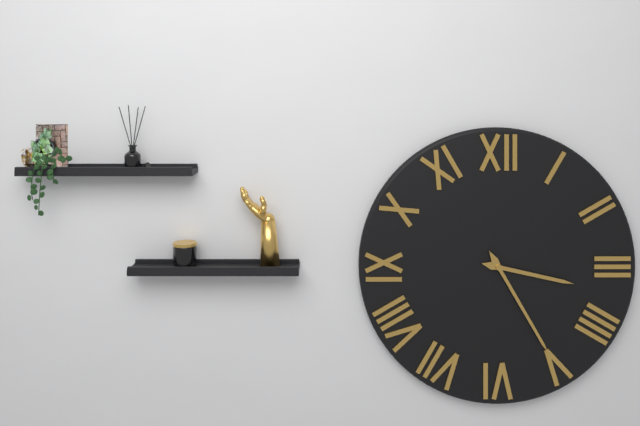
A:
3,25
